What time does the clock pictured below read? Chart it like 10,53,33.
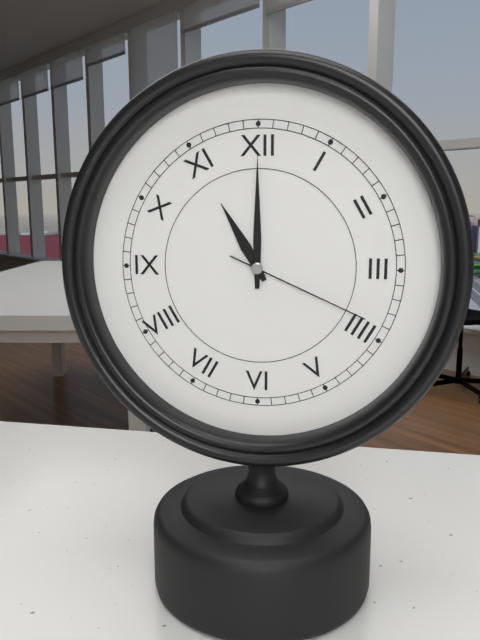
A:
11,00,19
